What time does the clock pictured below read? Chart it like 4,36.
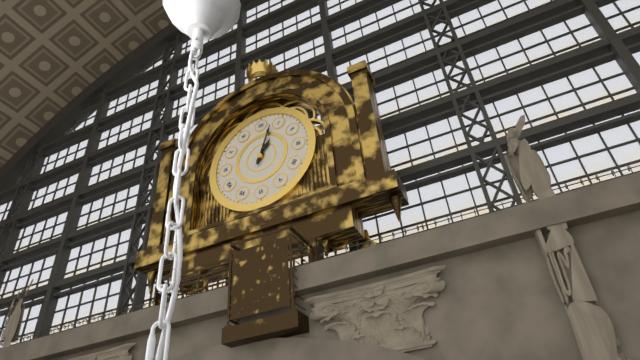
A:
1,03
